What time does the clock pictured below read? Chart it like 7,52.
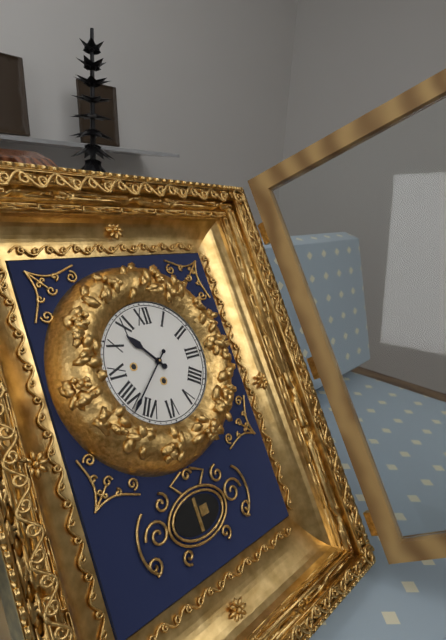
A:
10,38
